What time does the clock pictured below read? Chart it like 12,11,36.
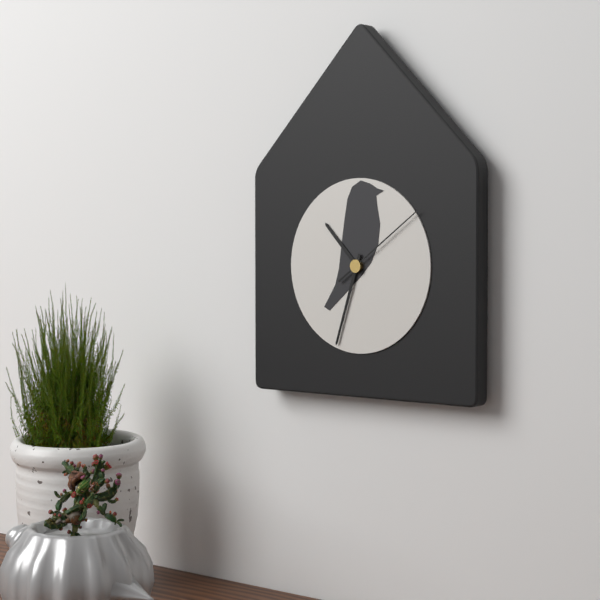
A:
10,33,09
